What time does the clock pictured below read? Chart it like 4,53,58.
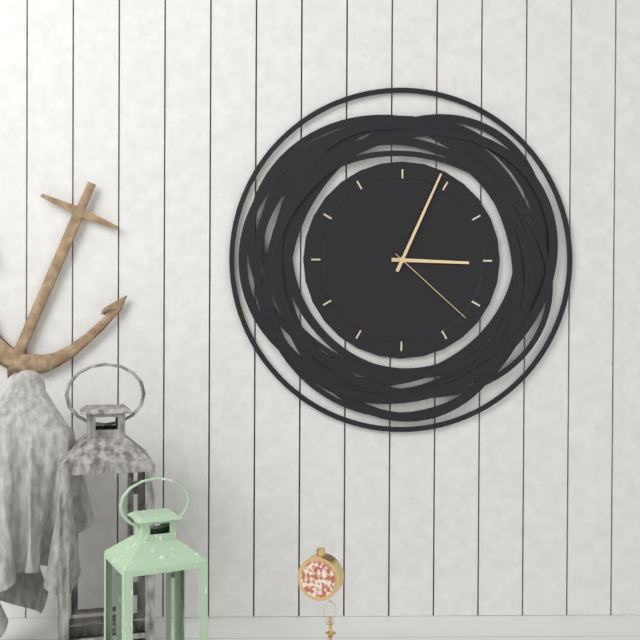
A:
3,04,22
